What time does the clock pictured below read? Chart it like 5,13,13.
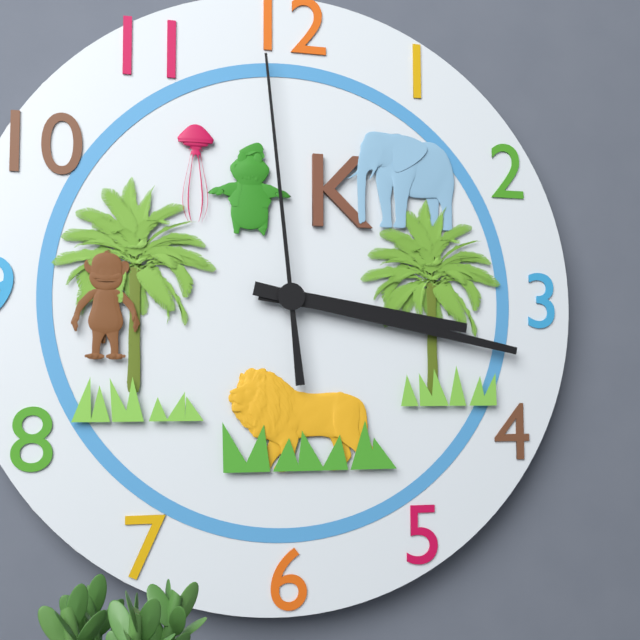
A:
3,17,59
